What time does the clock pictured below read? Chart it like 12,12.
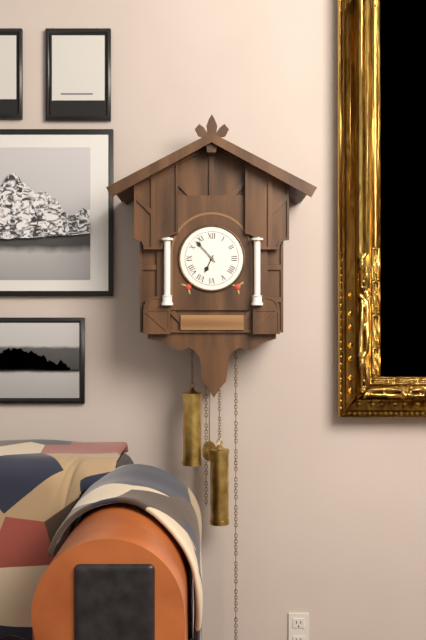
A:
6,53
